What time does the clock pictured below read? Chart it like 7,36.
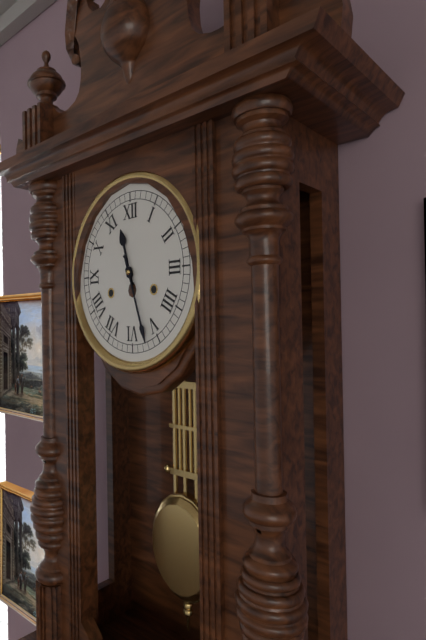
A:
11,27
